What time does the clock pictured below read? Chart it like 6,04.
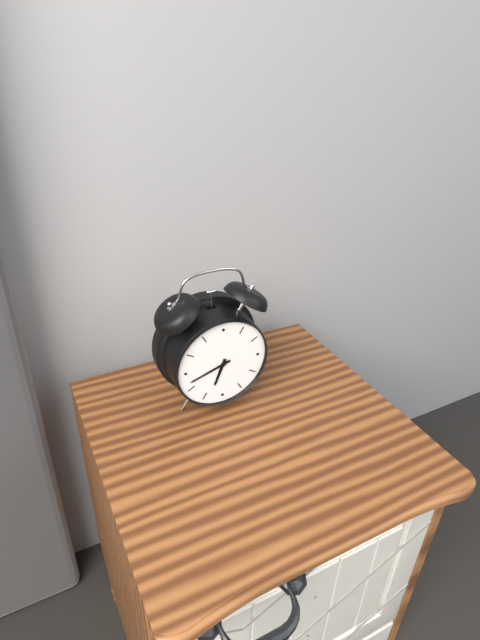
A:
6,42
